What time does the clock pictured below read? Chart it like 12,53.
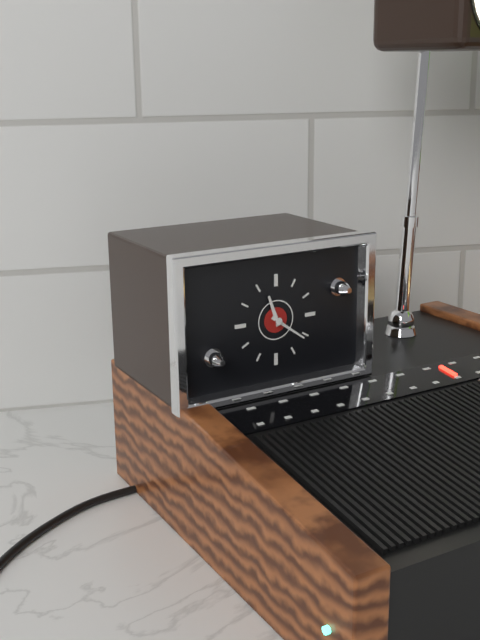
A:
11,21
